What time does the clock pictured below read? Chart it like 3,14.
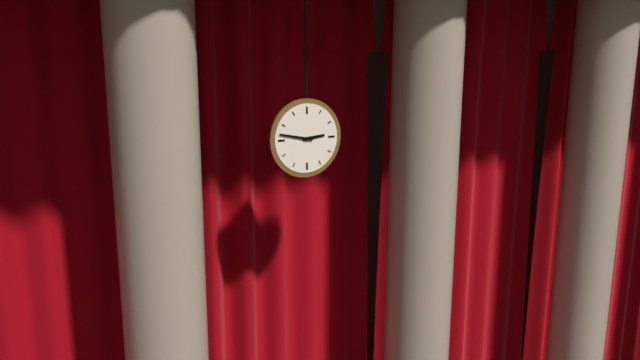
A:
2,47
